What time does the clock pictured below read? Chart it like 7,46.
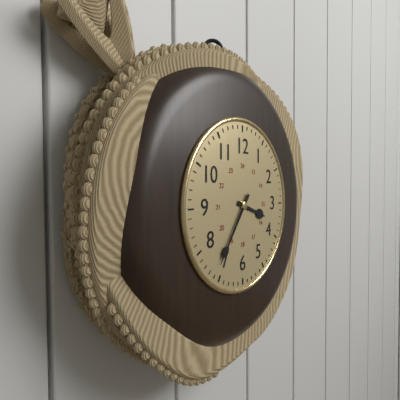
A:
3,36
